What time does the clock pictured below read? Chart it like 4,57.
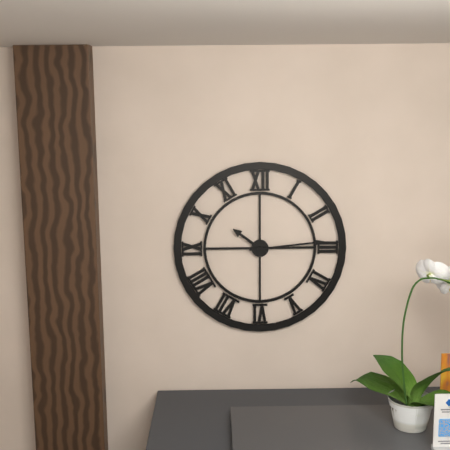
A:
10,14
